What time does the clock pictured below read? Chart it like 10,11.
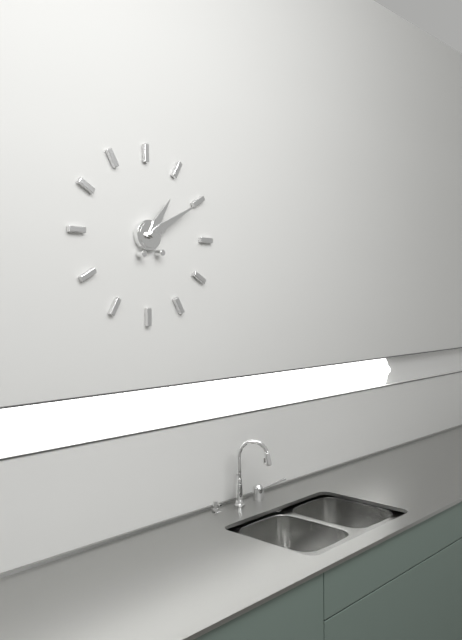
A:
1,10
